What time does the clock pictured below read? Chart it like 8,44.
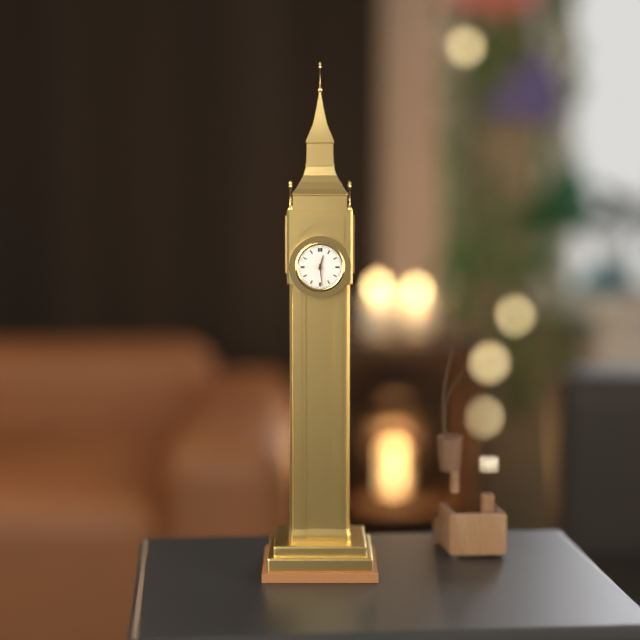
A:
12,29
